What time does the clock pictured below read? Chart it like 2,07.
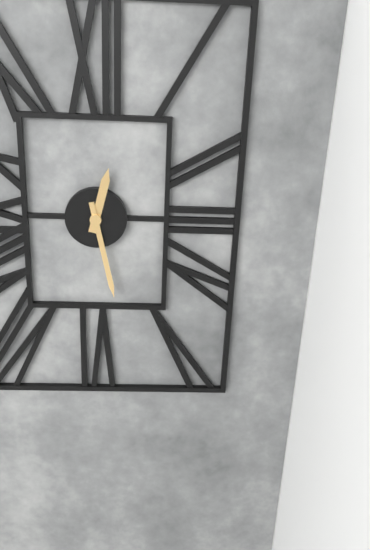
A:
12,28
